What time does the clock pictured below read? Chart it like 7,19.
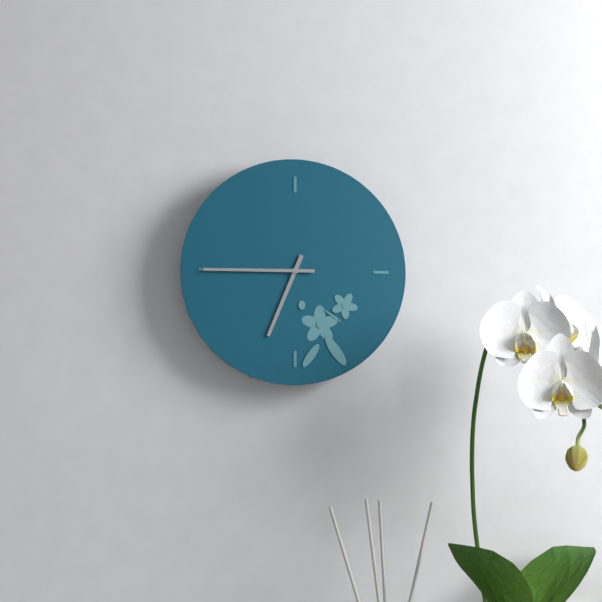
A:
6,45
